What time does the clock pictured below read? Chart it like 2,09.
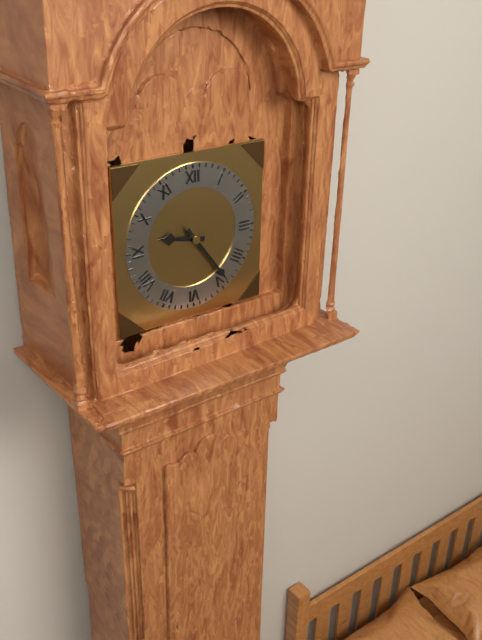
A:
9,24
